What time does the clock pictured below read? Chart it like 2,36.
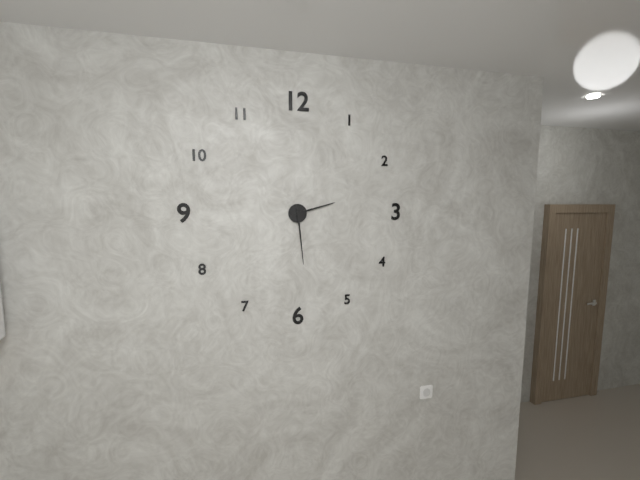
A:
2,29
